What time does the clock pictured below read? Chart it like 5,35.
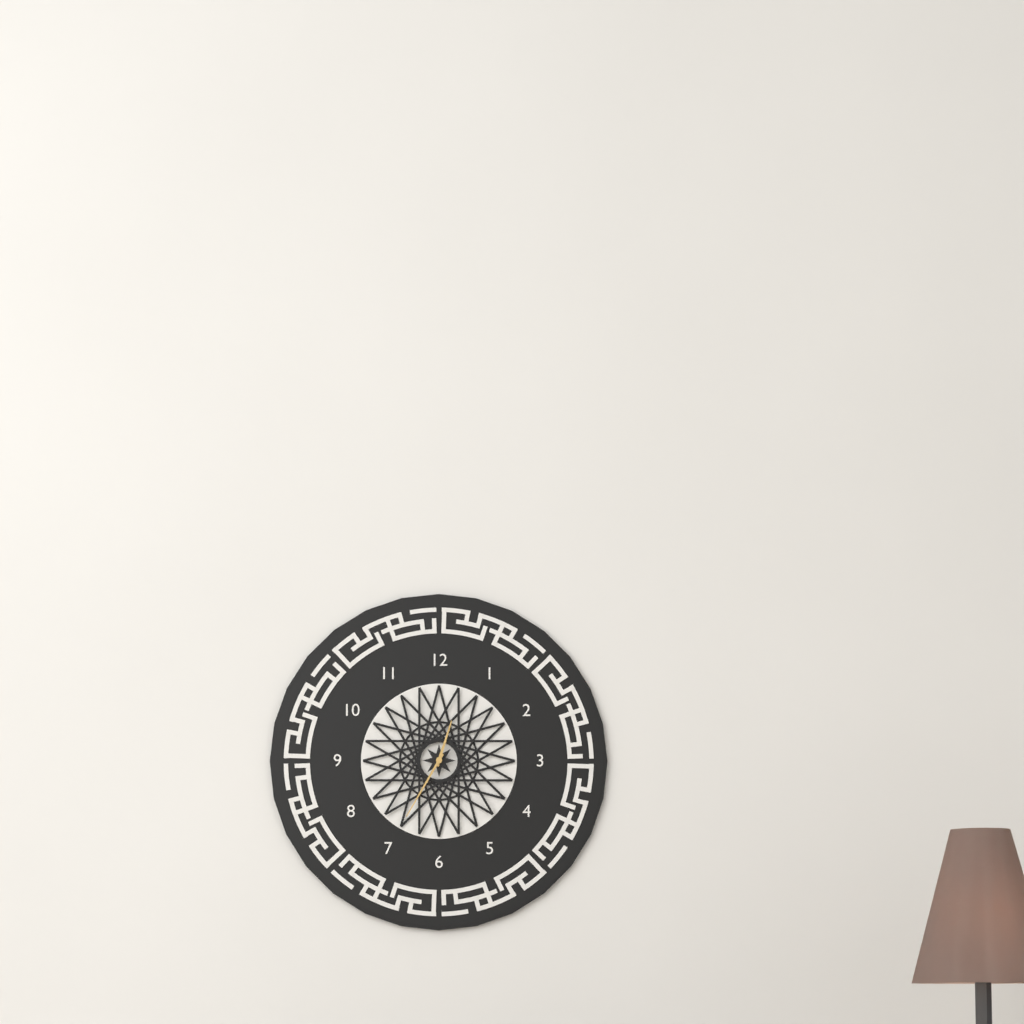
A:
12,35
